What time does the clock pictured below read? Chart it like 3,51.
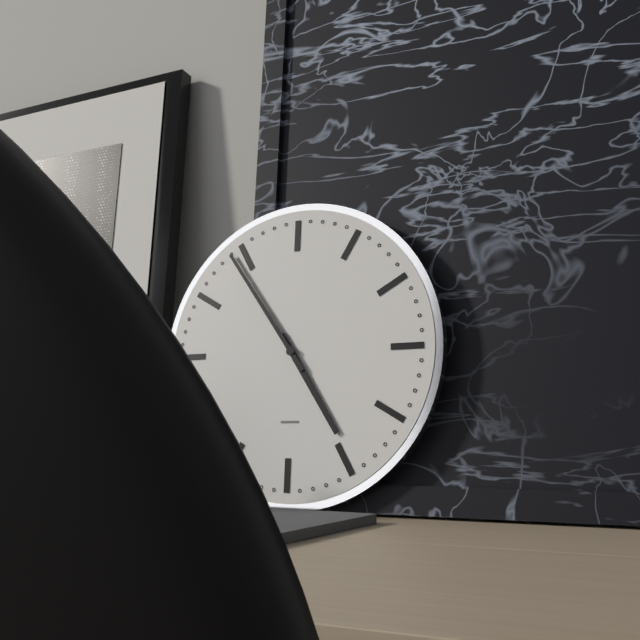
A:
4,54
